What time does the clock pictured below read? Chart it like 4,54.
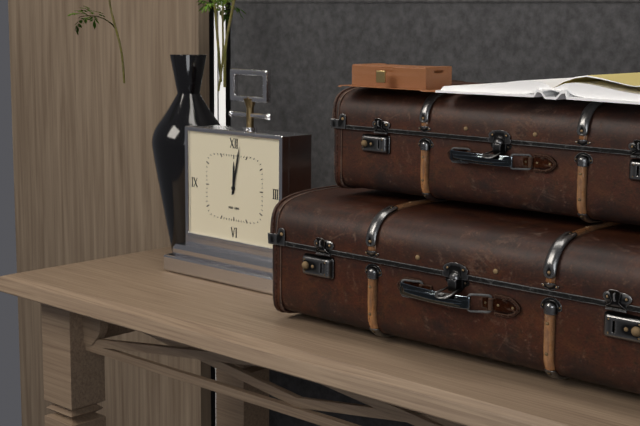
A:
12,02
